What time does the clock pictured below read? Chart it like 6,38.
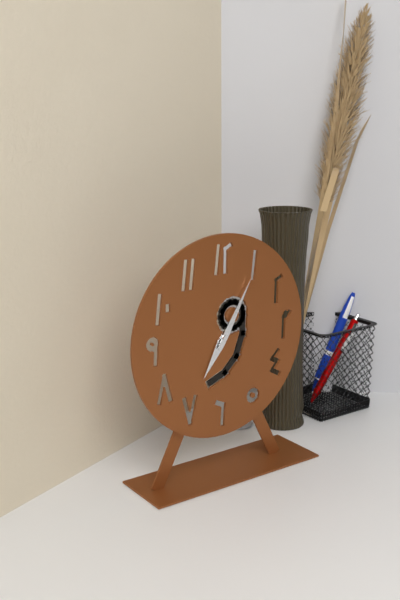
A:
7,05
